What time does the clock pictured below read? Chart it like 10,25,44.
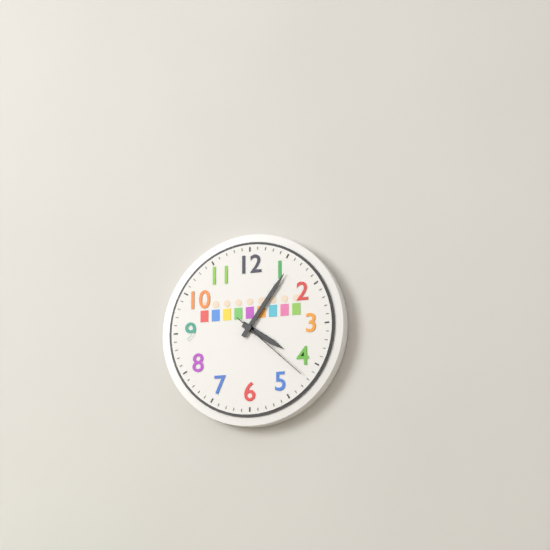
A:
4,06,22
